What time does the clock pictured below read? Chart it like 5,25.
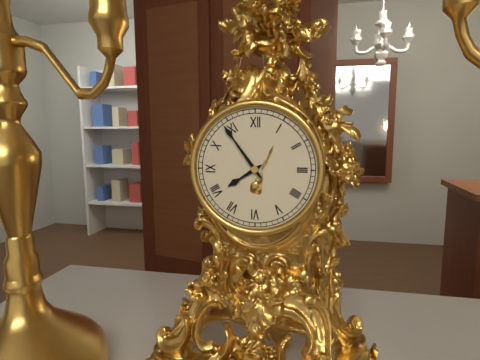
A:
7,54
